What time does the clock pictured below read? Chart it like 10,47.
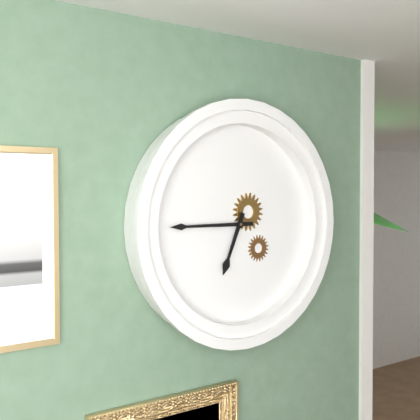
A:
6,45
